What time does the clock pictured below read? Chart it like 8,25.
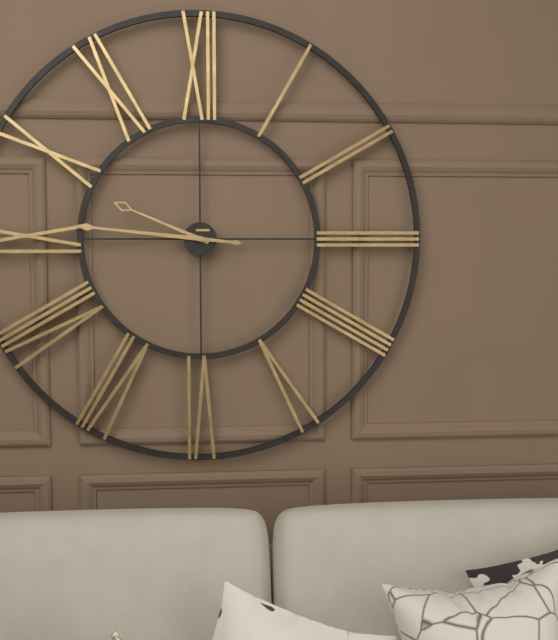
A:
9,46
